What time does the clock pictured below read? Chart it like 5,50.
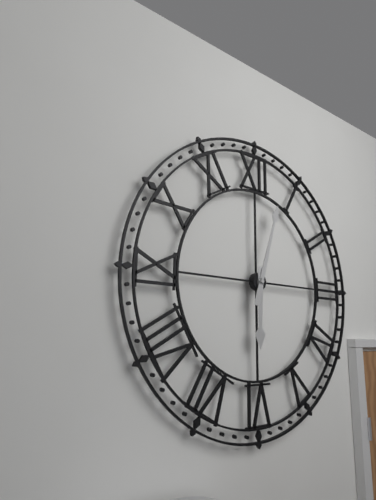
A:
6,03
